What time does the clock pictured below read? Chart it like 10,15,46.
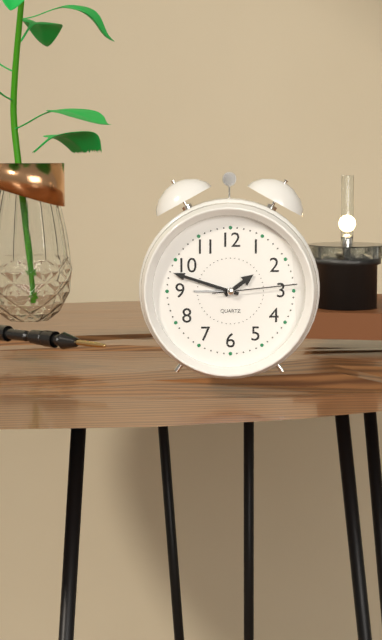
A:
1,48,14
